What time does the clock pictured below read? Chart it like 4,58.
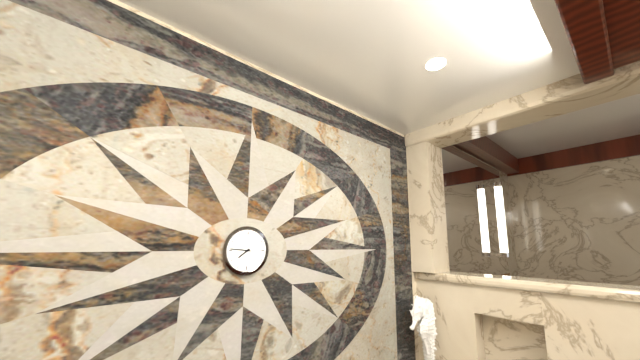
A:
7,46
